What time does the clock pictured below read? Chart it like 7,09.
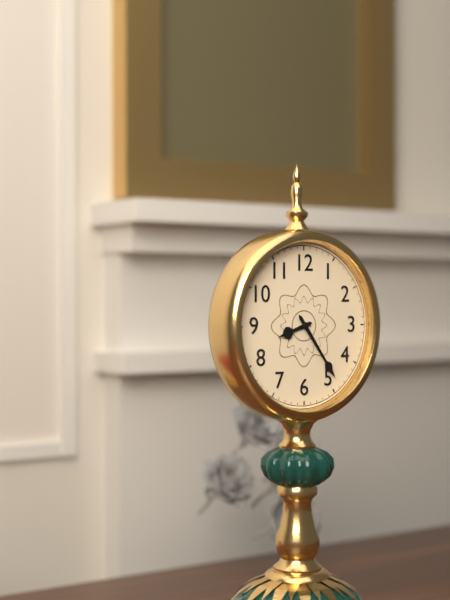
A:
8,24
